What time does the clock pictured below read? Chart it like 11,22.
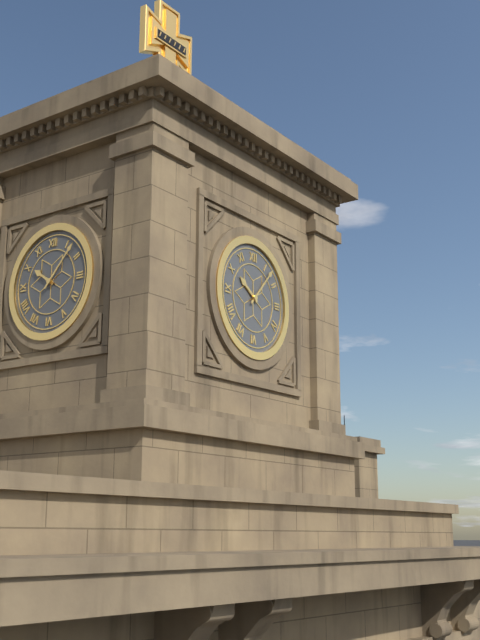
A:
10,07
